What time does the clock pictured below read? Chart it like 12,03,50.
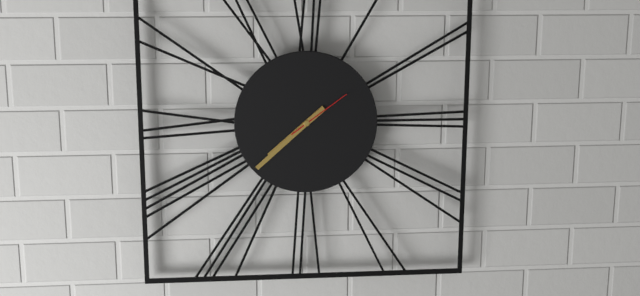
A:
7,38,09
